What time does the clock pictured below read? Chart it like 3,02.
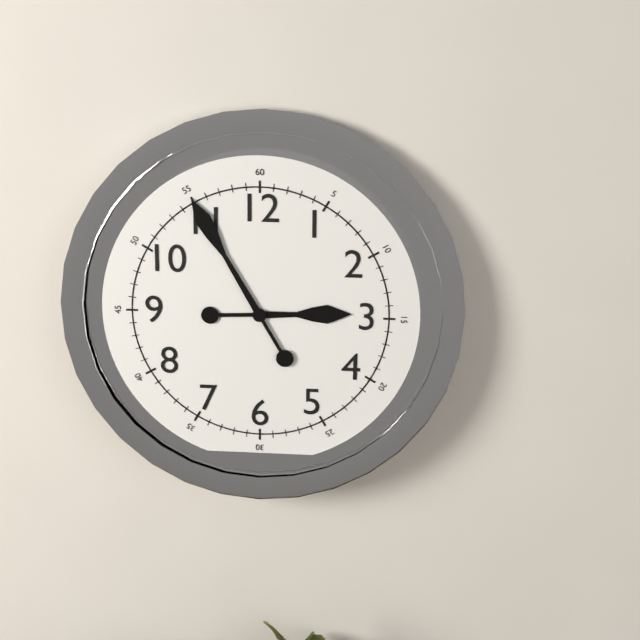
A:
2,55
